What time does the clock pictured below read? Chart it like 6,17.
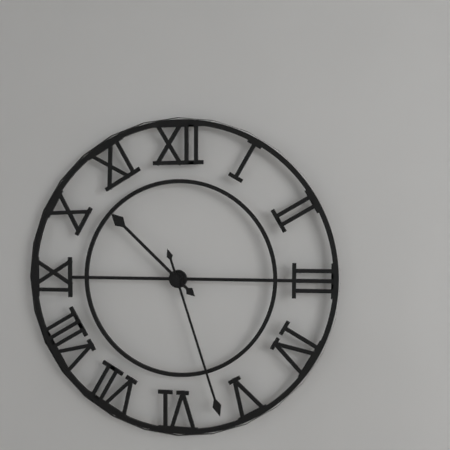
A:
10,27
